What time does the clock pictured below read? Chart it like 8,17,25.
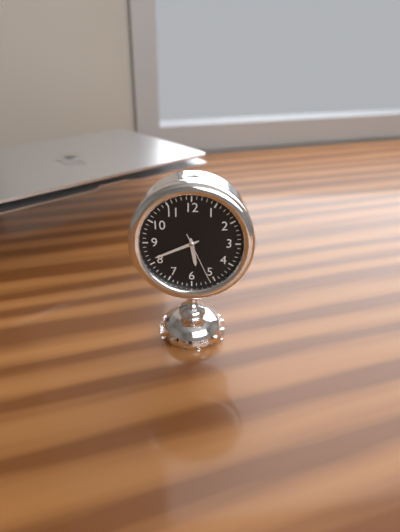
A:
5,41,26
